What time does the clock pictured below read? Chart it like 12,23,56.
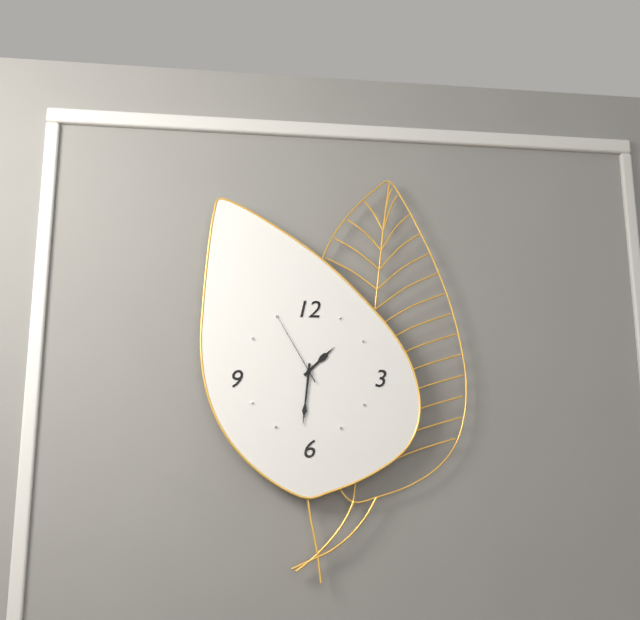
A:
1,31,55
